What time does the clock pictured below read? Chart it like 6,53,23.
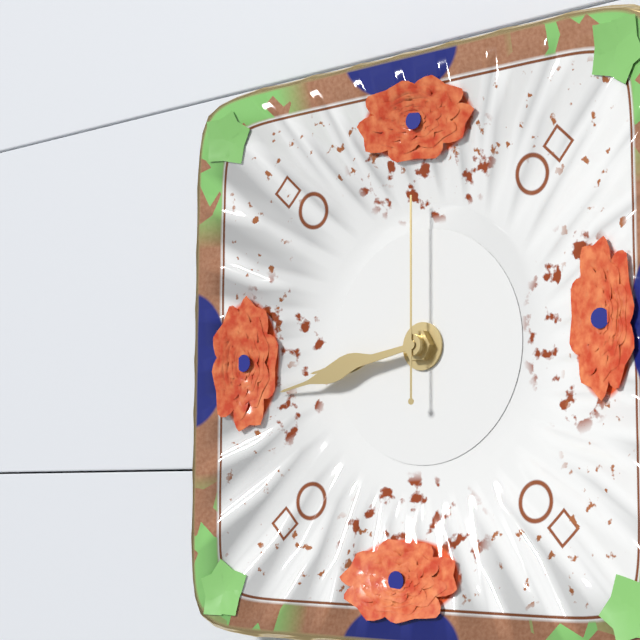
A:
8,43,00
